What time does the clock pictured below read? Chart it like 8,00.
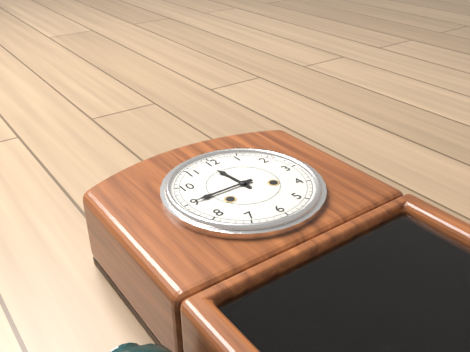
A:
11,45
